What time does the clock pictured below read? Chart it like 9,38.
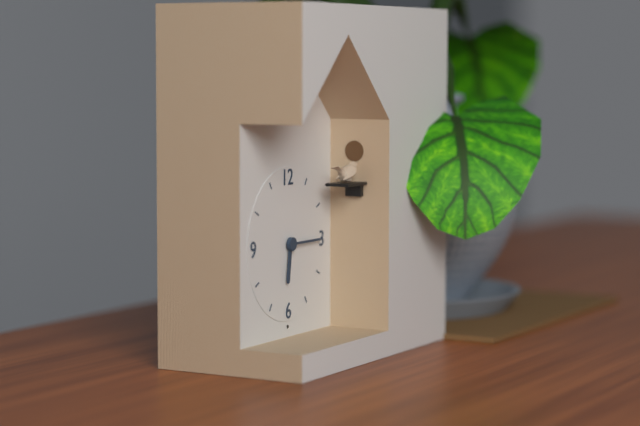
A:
6,15
